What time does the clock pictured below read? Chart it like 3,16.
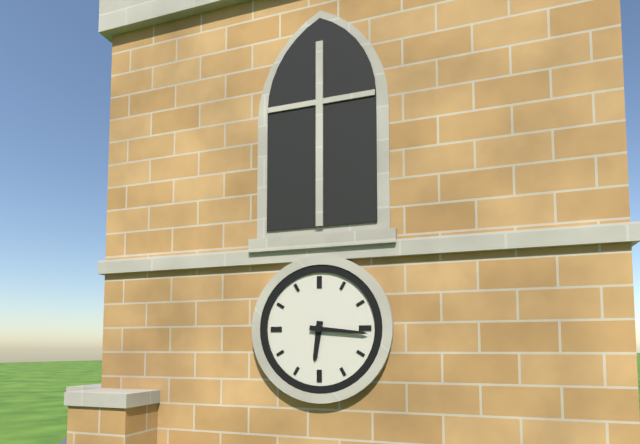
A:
6,16
